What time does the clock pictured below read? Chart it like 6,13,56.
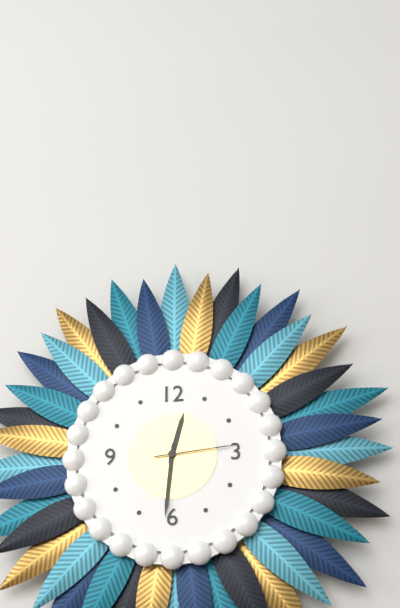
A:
12,31,14
